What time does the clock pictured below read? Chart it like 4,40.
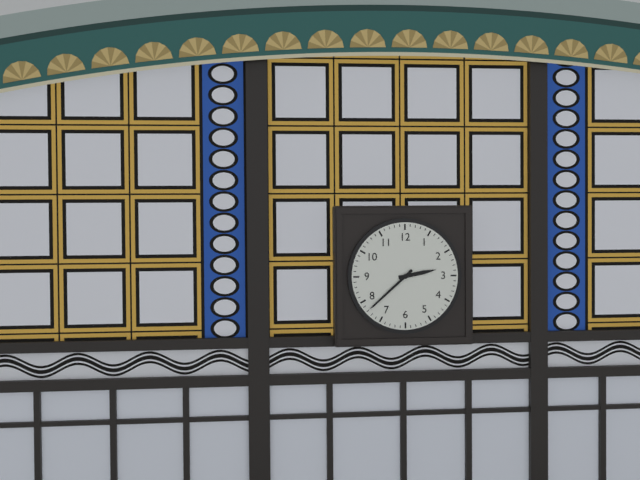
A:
2,38
